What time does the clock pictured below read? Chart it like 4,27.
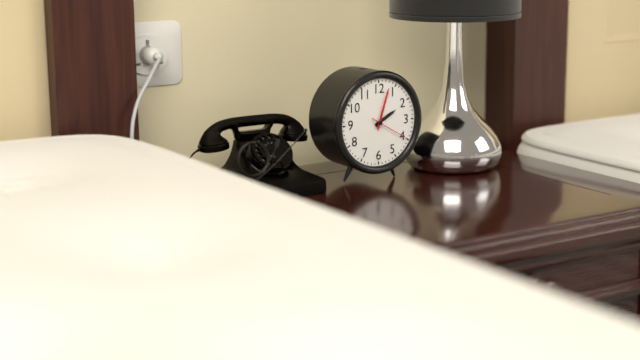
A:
2,03
